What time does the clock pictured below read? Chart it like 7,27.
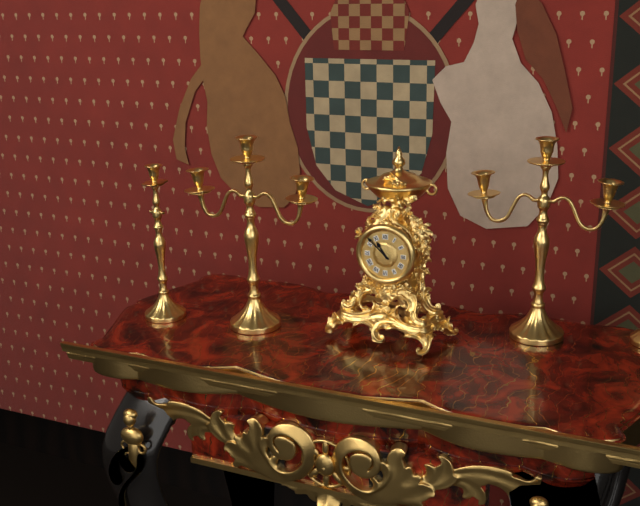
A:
10,52
